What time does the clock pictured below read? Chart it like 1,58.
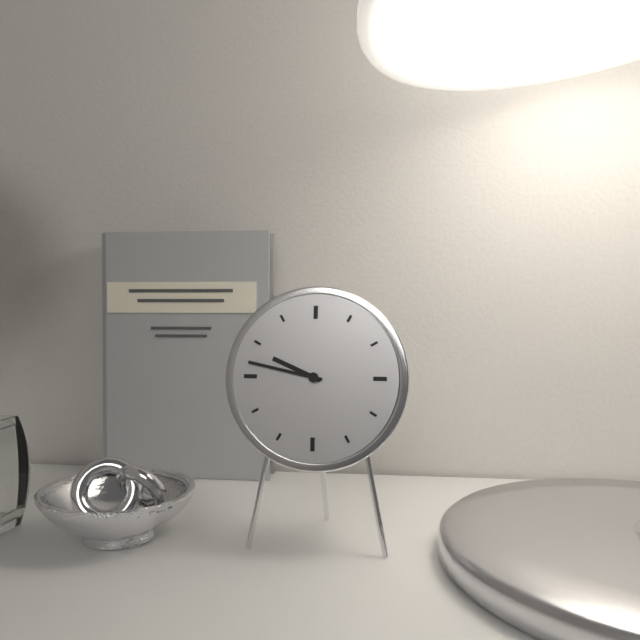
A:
9,47
